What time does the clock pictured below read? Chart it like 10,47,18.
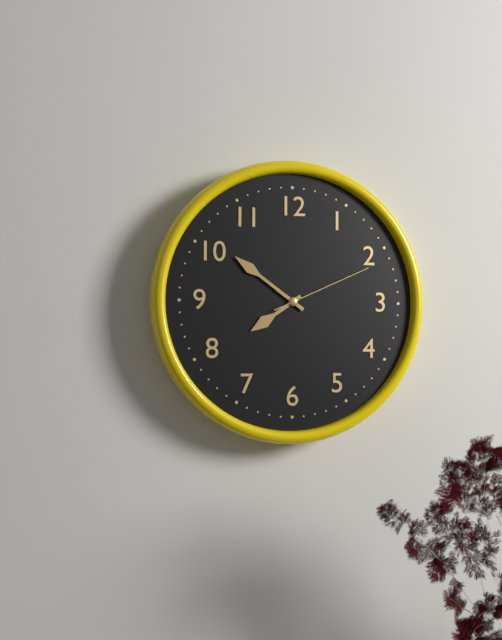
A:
7,51,11
